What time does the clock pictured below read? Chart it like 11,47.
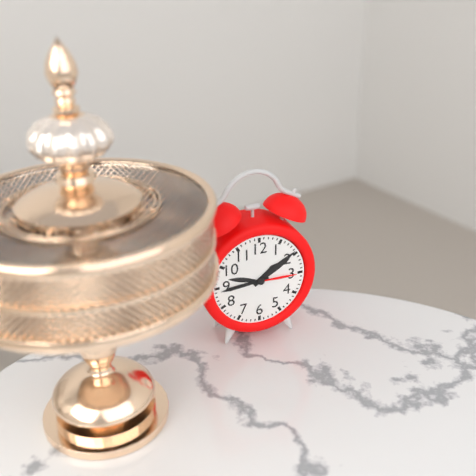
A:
1,44
